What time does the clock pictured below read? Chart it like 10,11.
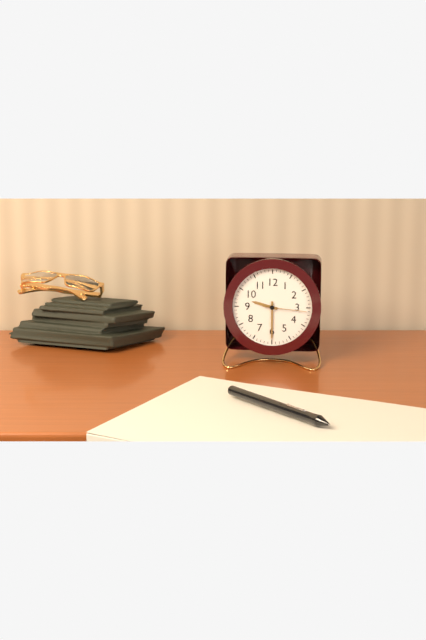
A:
9,30
